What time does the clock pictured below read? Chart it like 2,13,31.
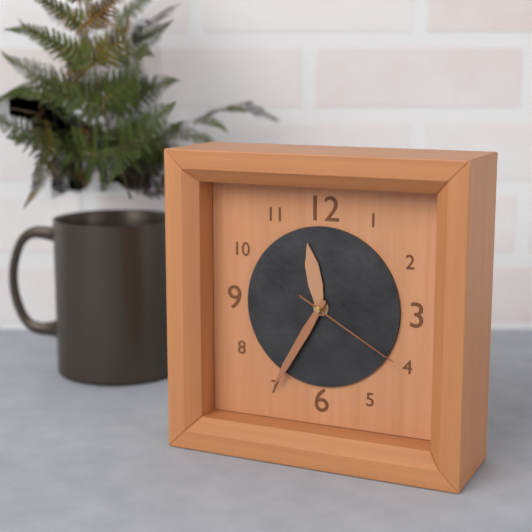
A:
11,35,20
